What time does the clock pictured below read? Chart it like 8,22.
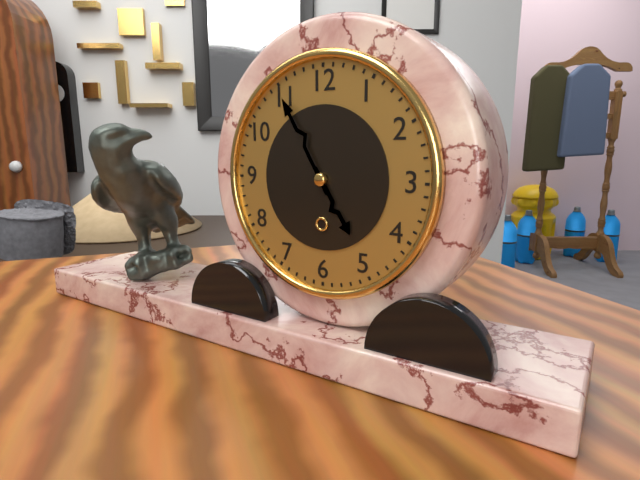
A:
4,55
